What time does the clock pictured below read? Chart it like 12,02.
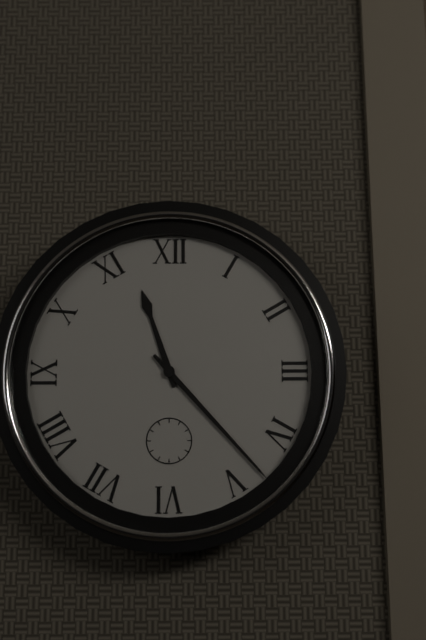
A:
11,23
